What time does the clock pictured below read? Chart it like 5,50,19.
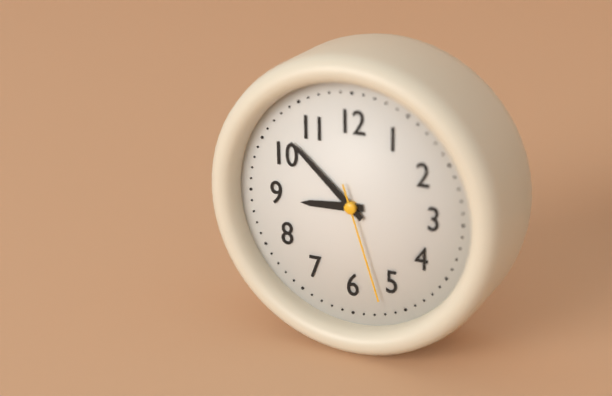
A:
8,52,27
